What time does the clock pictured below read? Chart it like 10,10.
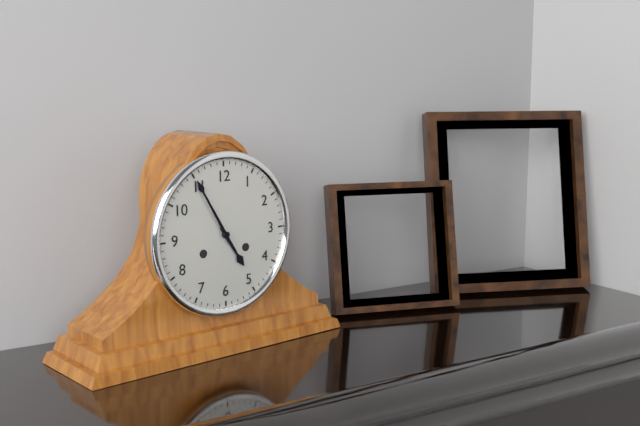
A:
4,55
